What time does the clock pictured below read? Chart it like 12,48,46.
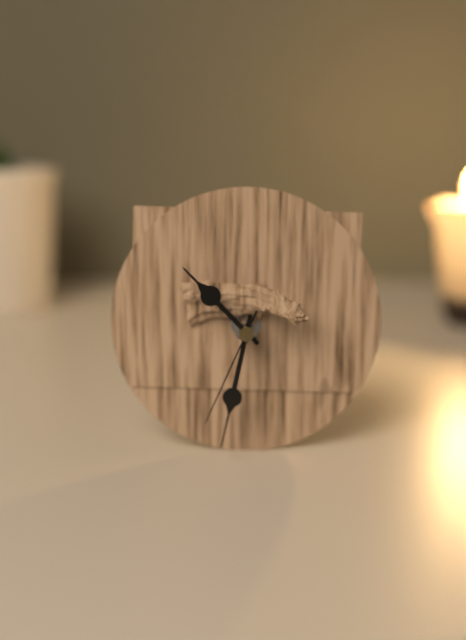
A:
10,32,34
